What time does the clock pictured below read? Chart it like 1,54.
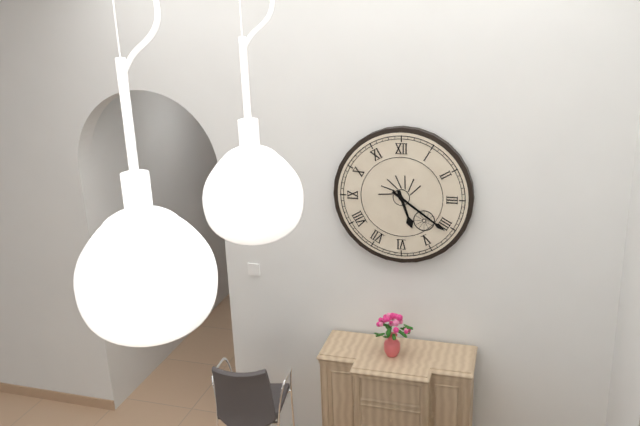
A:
5,21
